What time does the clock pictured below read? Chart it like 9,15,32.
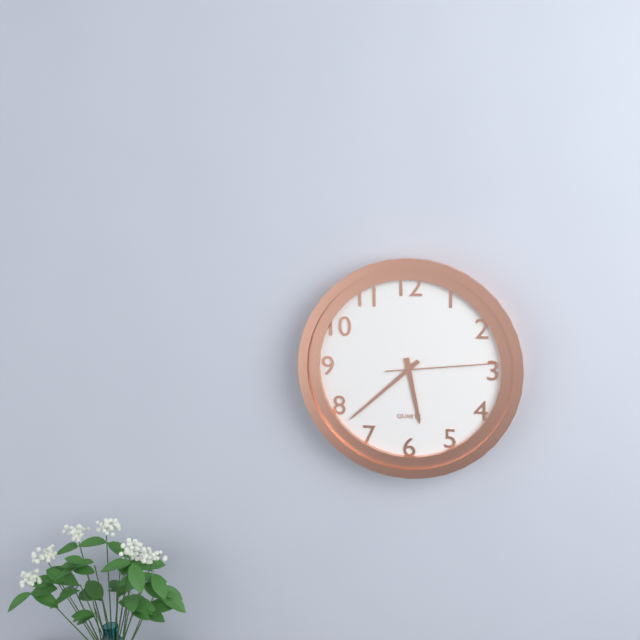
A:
5,38,14
